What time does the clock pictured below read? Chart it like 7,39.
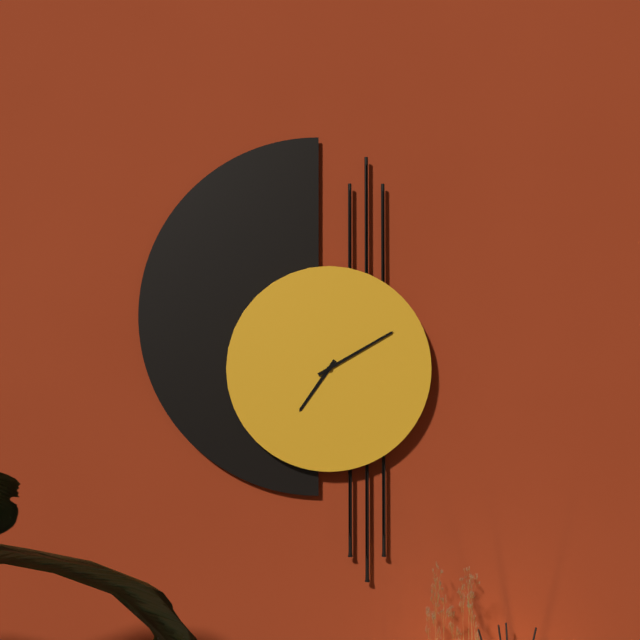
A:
7,10
